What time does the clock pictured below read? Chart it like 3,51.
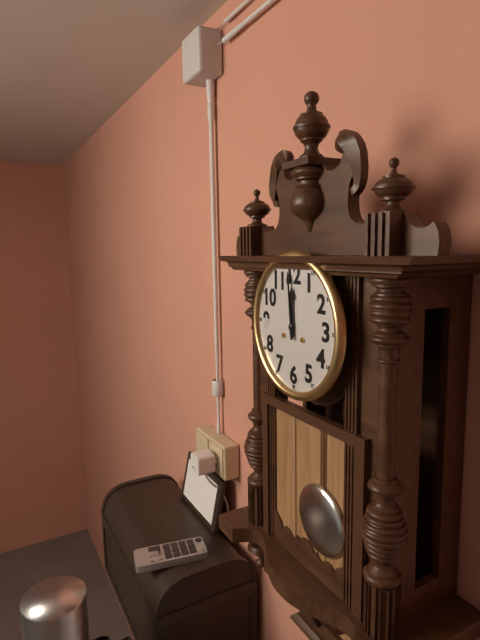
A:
11,59
